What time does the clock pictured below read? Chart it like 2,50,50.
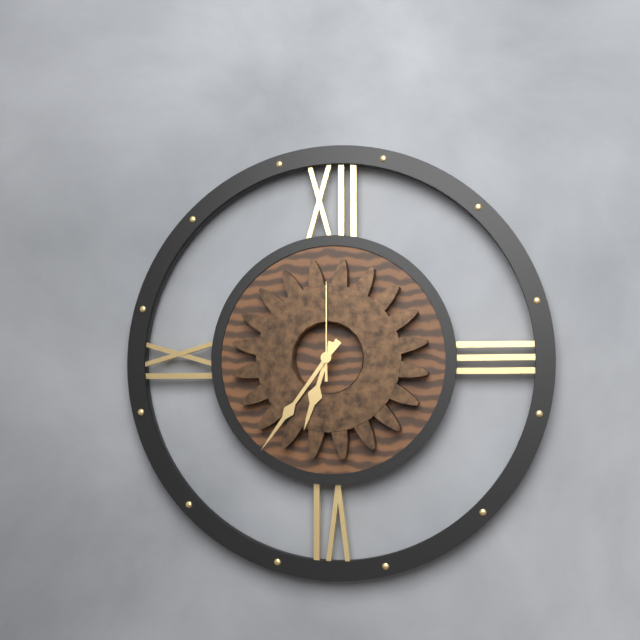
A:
6,36,00
